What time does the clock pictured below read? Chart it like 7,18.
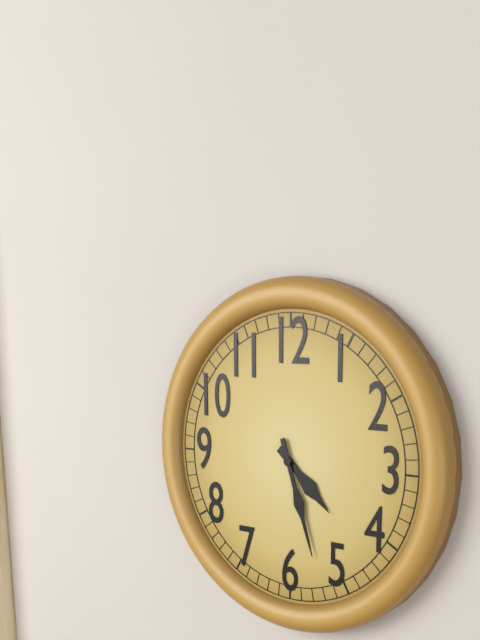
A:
4,27
